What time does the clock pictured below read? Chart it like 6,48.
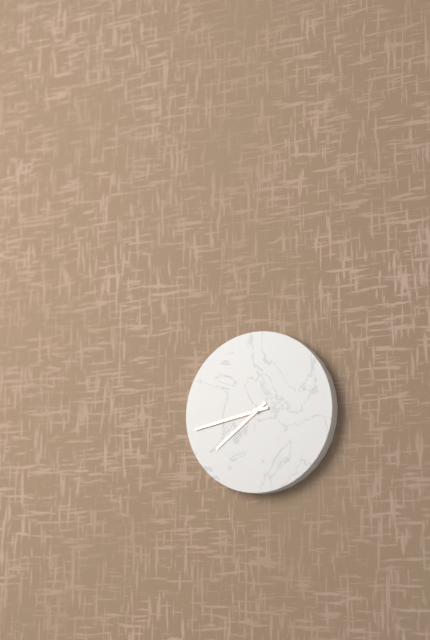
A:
7,43
